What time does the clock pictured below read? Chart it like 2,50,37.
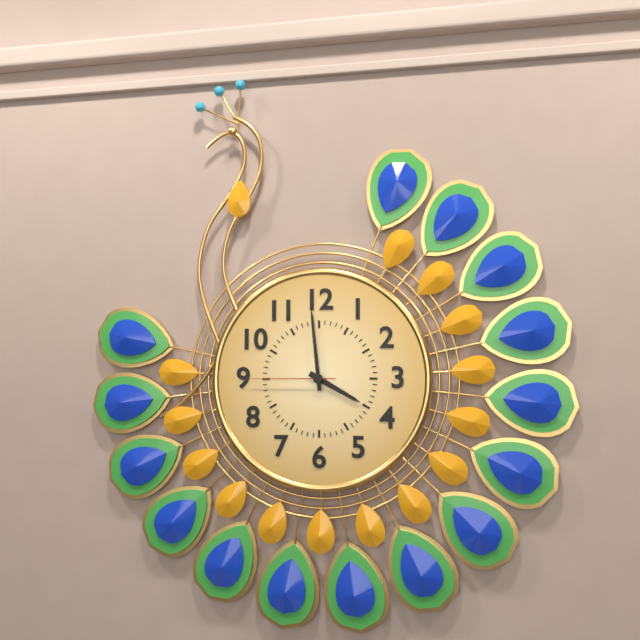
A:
3,59,45
